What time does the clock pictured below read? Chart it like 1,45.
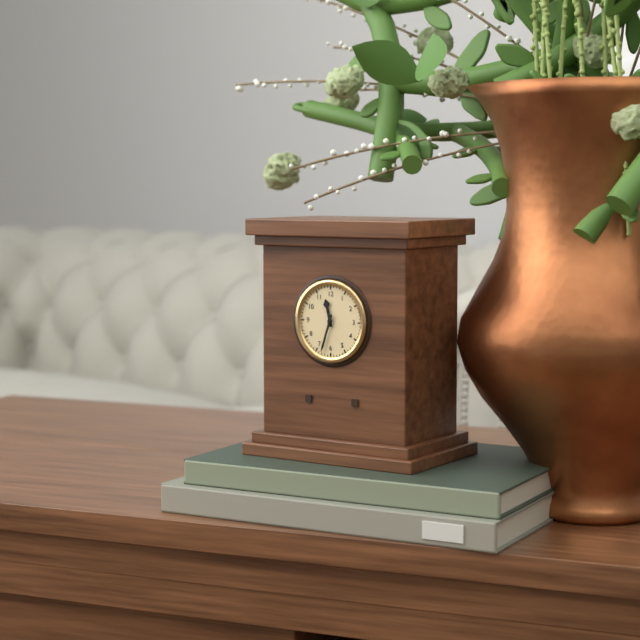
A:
11,33
